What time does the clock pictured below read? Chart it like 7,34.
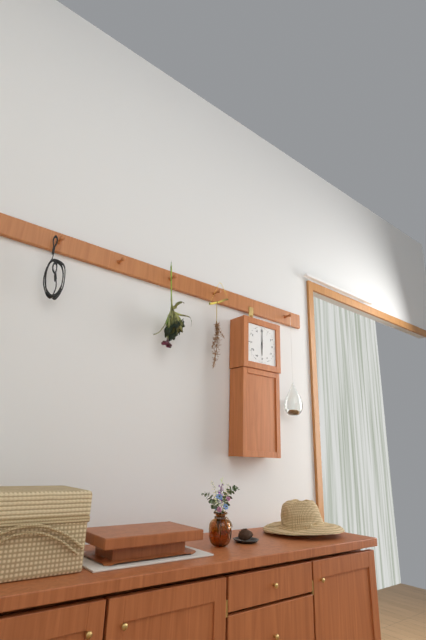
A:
6,00
